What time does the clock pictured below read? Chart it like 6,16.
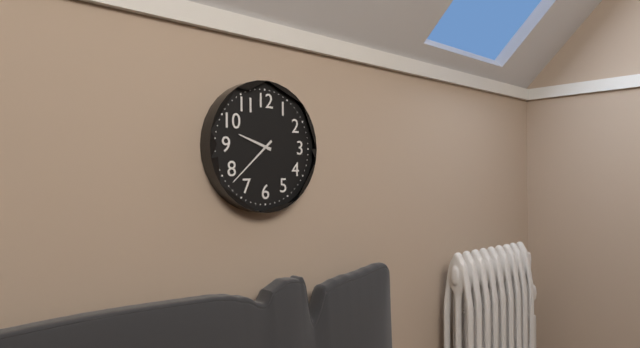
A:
9,38
